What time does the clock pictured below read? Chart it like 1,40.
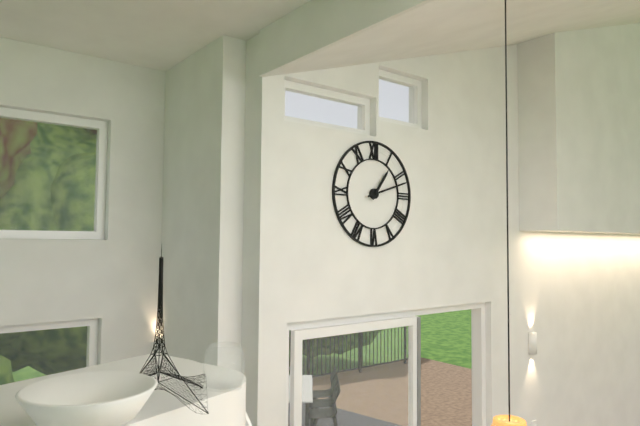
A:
1,12
